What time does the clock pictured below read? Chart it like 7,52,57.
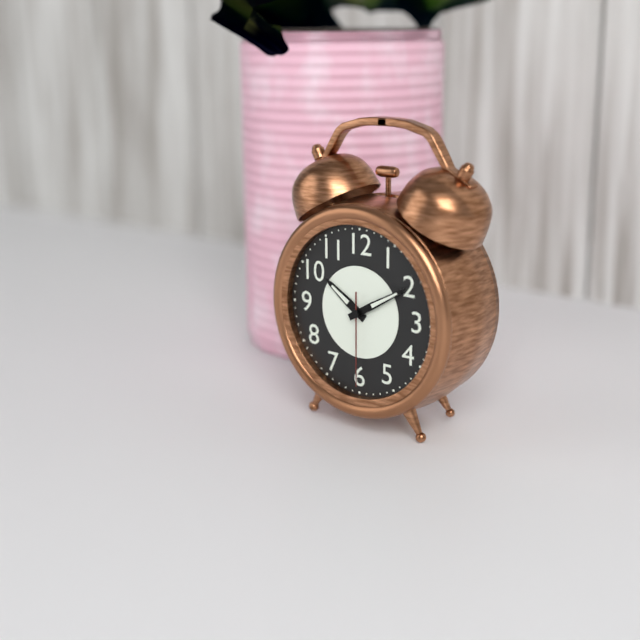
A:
10,10,30
